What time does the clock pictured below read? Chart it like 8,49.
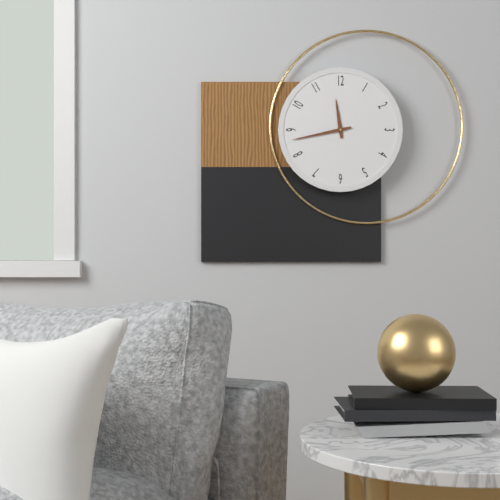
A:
11,43
